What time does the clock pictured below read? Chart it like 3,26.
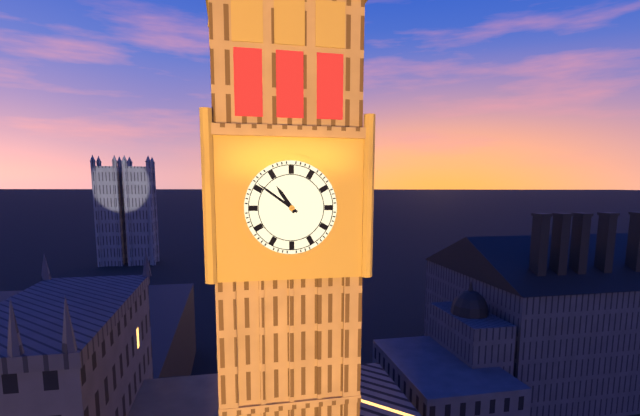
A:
10,51
